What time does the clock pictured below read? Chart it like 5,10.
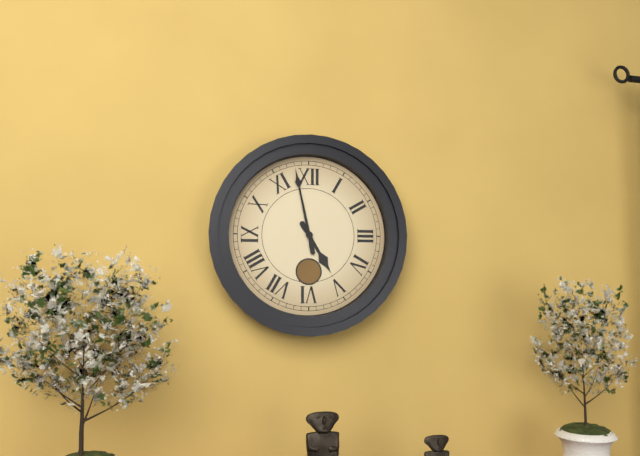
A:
4,58
